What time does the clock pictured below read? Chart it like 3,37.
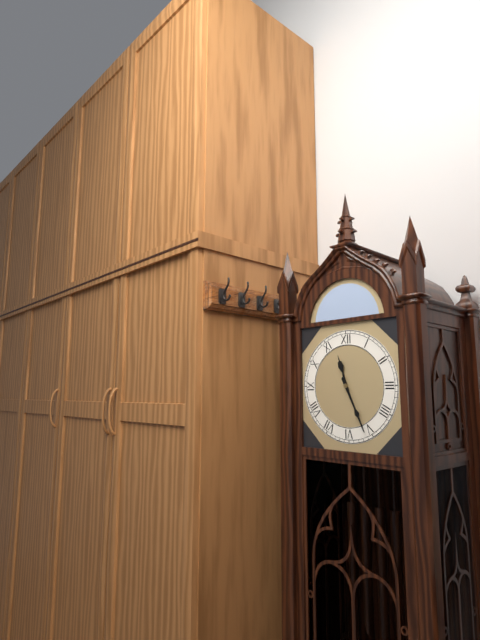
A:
11,26
